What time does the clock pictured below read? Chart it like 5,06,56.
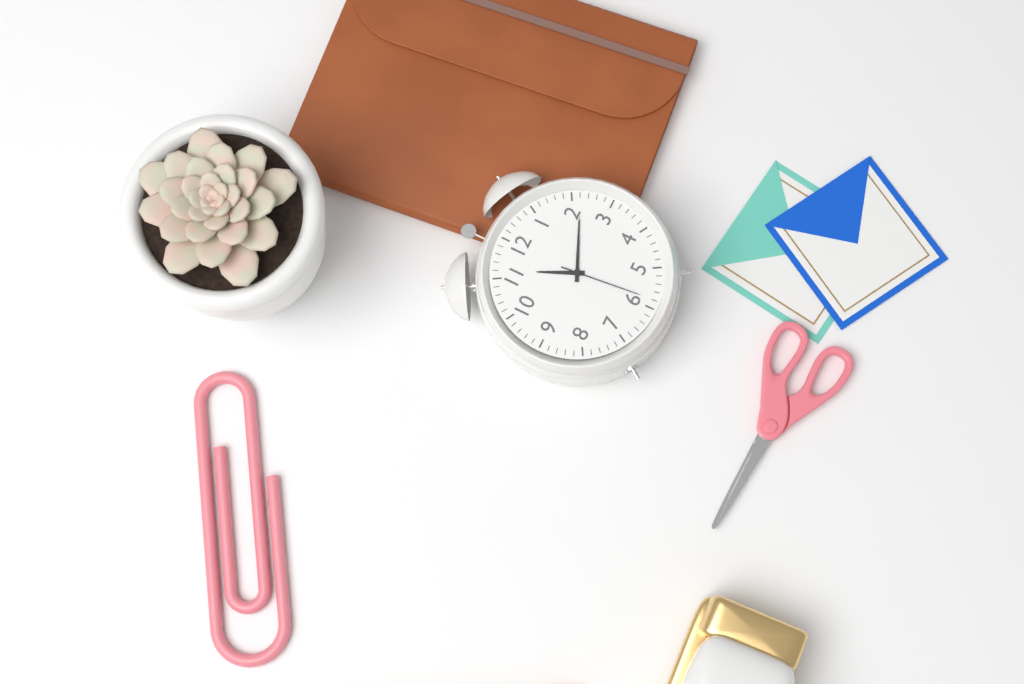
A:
11,11,29
